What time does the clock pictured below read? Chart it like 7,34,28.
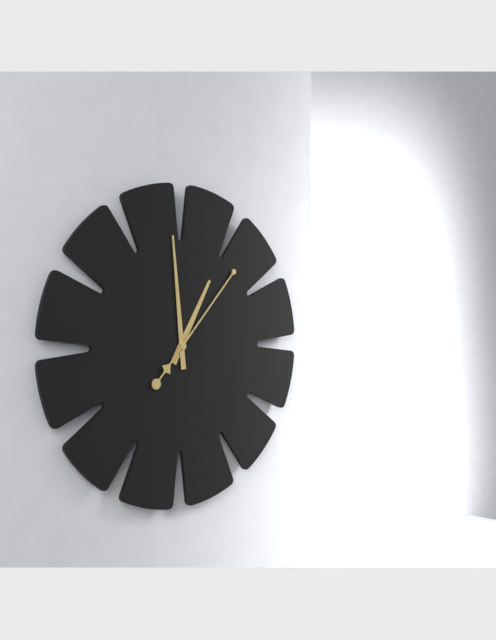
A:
12,59,07
